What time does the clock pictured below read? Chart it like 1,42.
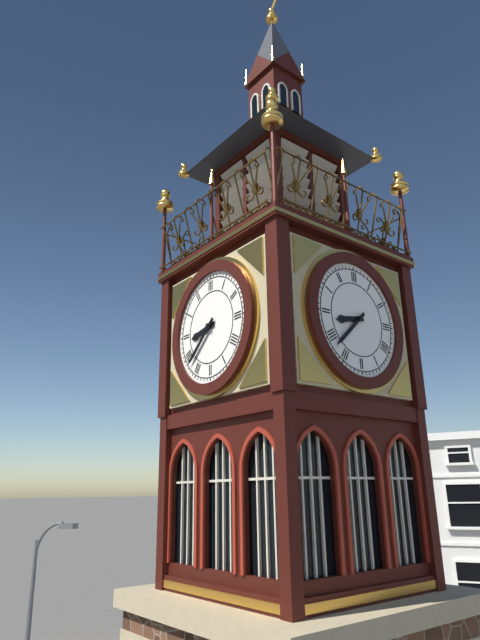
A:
8,38
